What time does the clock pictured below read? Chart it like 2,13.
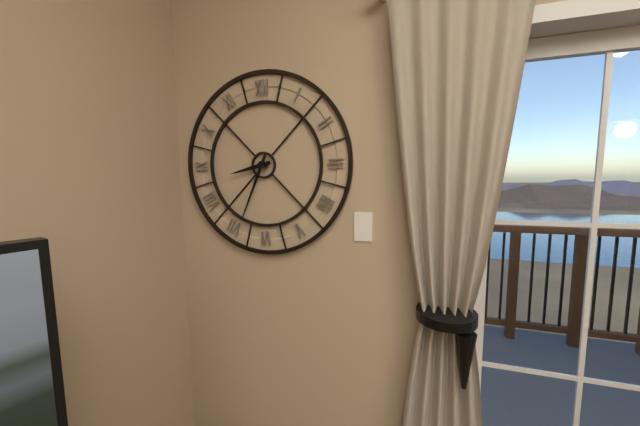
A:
8,34
